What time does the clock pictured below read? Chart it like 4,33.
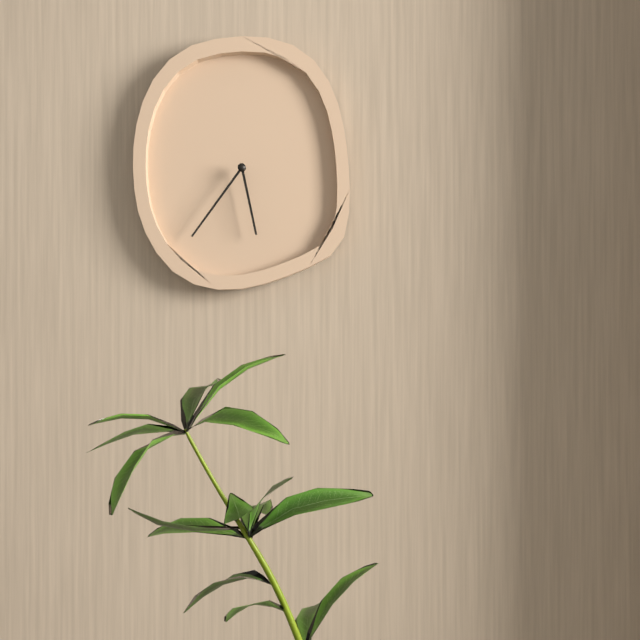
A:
5,36
